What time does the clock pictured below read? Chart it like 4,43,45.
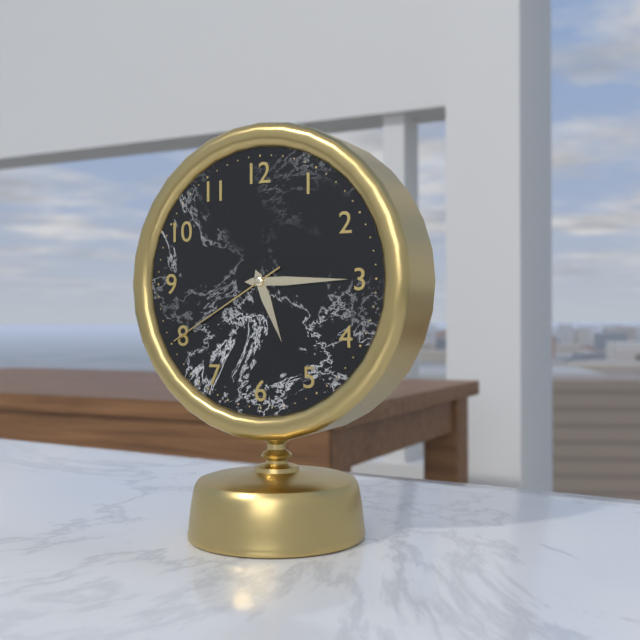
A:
5,15,40
